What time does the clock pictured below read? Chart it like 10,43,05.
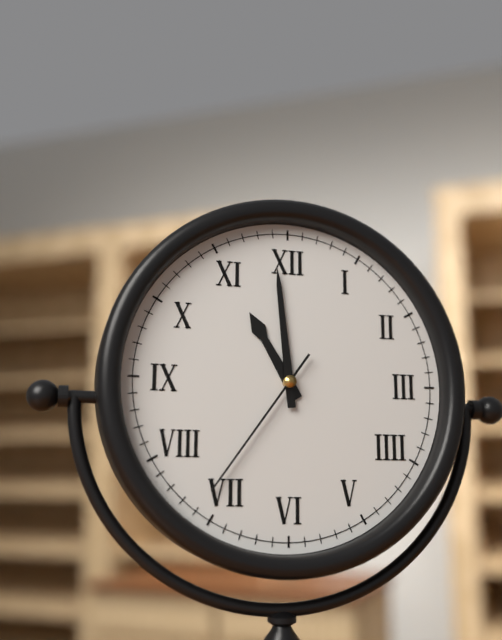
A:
10,59,36
